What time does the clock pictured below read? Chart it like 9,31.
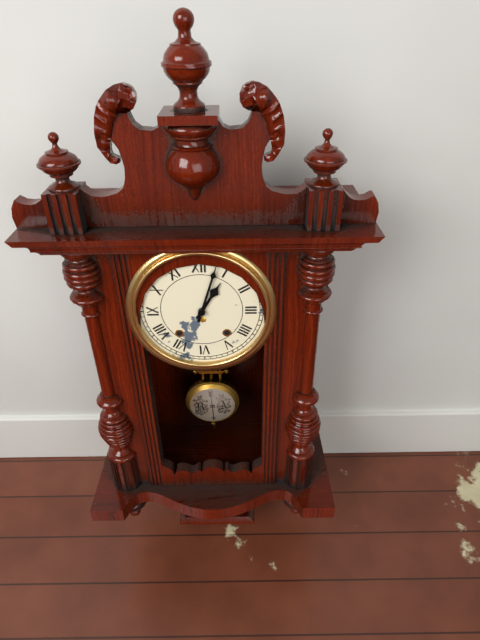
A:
1,03
